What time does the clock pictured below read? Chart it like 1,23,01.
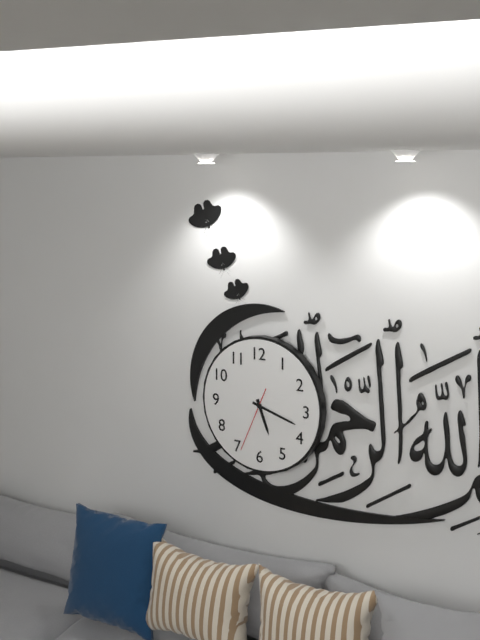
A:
5,18,34
